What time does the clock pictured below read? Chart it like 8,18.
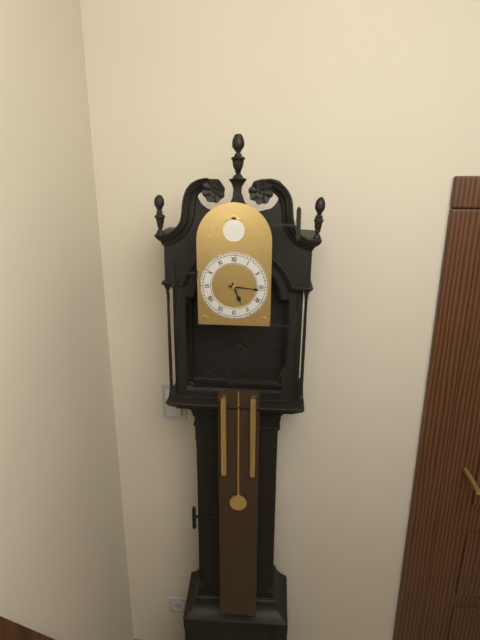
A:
5,16
